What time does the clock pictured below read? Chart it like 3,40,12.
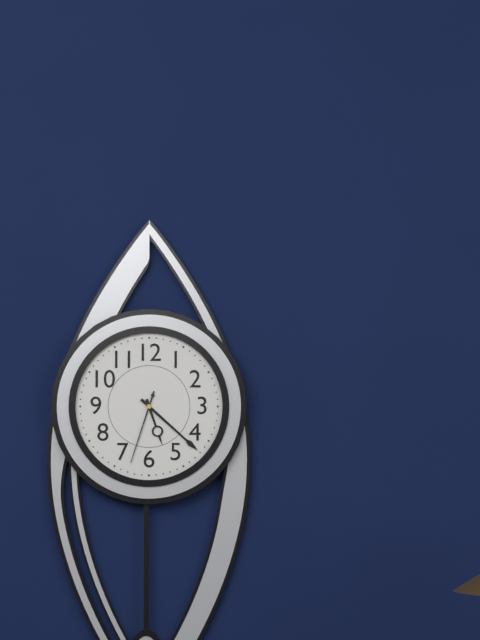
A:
5,22,33
